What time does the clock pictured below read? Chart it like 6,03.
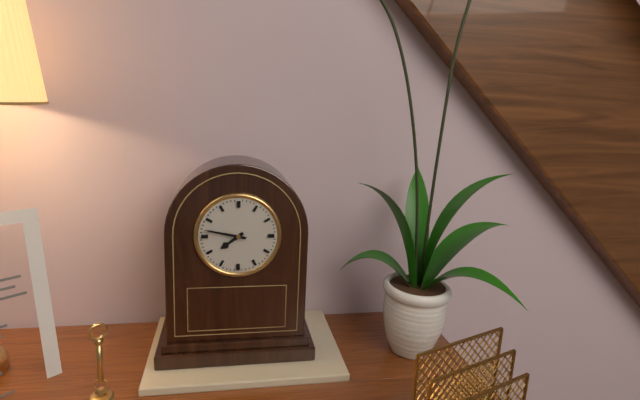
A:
7,47
